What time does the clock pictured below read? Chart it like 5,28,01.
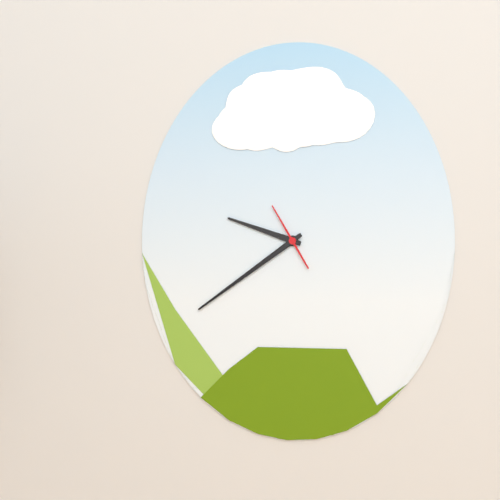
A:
9,39,55
